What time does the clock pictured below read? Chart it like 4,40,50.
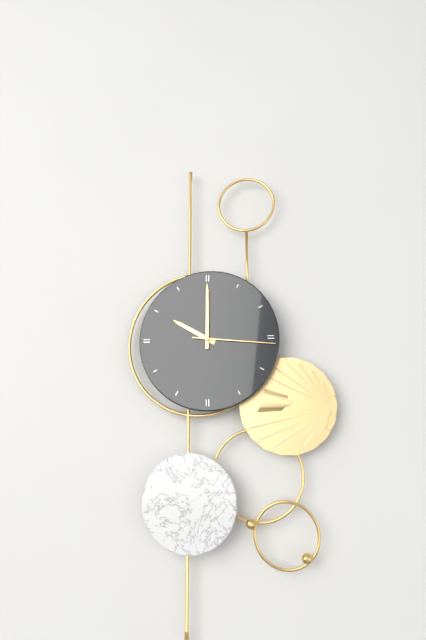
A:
10,00,16
